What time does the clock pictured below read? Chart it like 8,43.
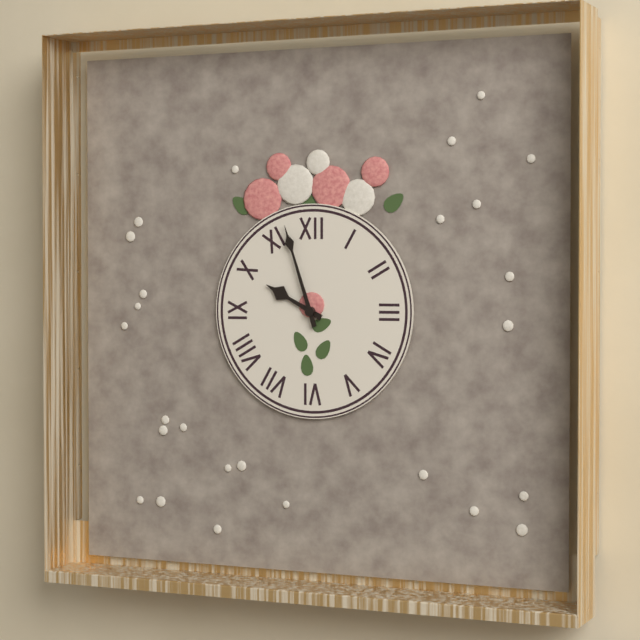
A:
9,57
